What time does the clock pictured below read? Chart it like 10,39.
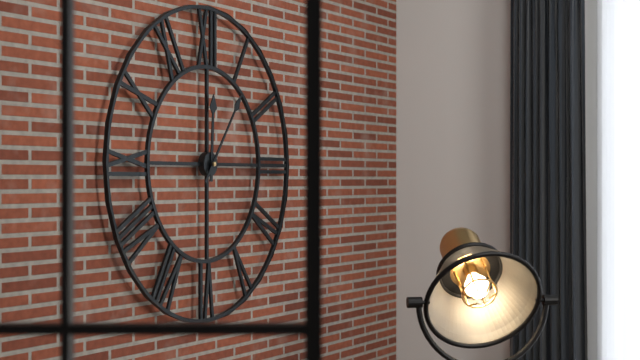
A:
12,06
